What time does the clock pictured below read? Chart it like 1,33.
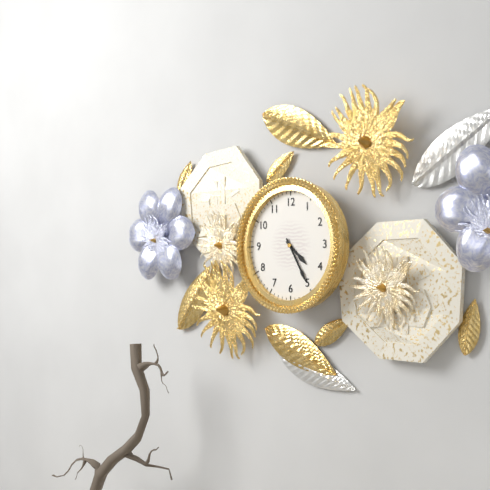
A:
4,25
